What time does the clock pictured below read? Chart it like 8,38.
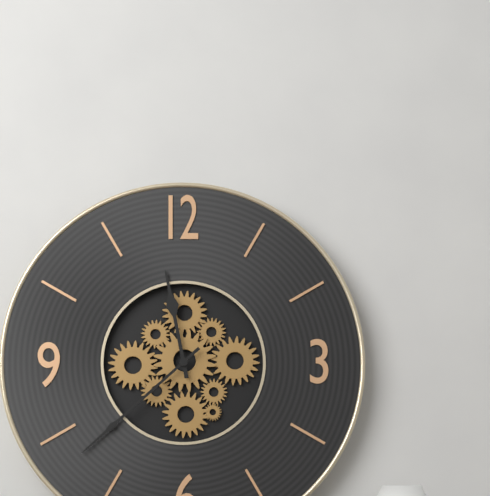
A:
11,38
